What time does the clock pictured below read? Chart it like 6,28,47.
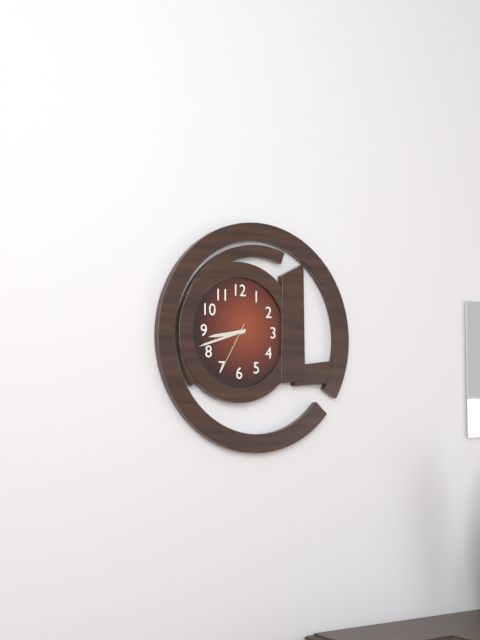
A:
8,42,35
